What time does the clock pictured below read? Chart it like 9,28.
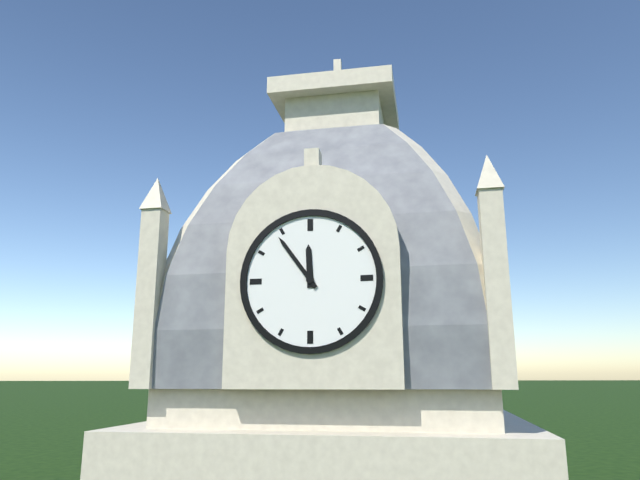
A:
11,54
